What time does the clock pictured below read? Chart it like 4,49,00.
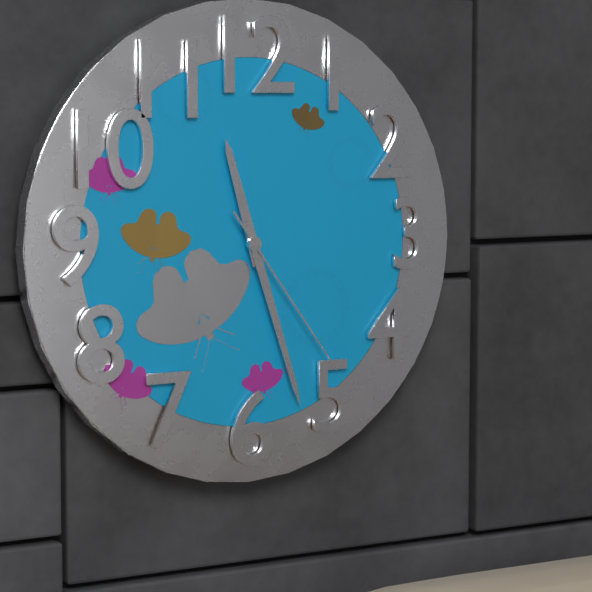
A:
11,27,24
